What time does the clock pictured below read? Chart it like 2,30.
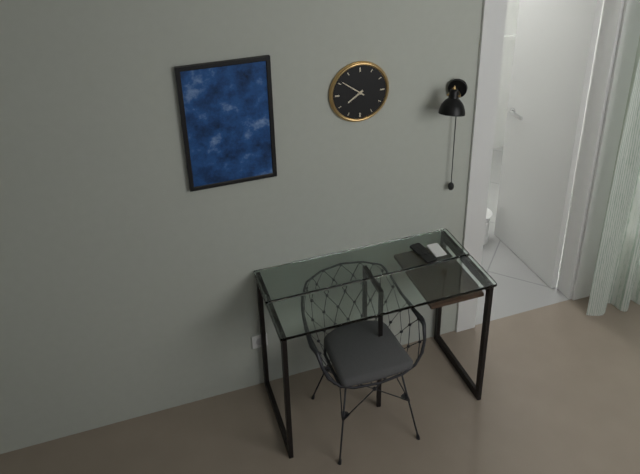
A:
7,51
